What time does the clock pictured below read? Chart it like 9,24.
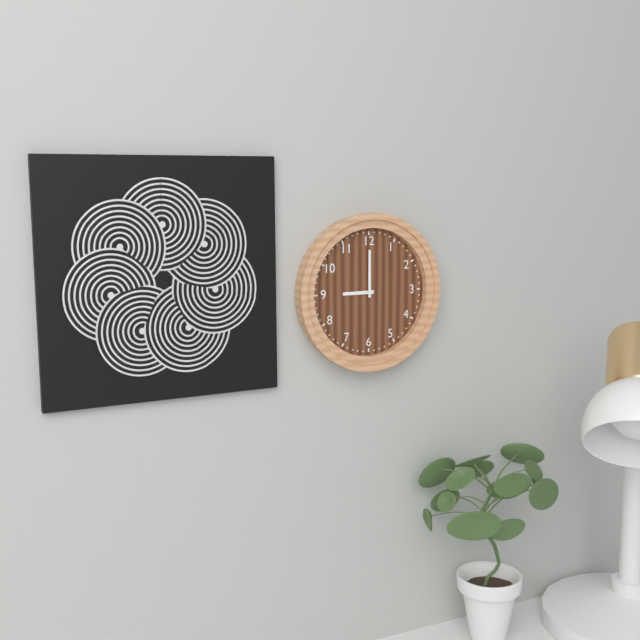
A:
9,00
